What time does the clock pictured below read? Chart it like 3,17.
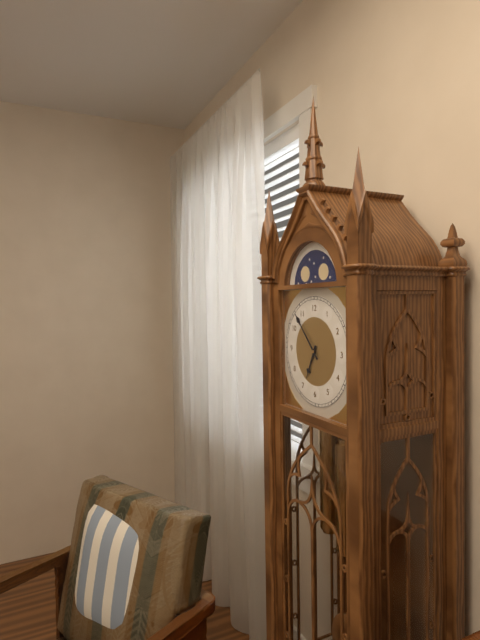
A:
6,53
